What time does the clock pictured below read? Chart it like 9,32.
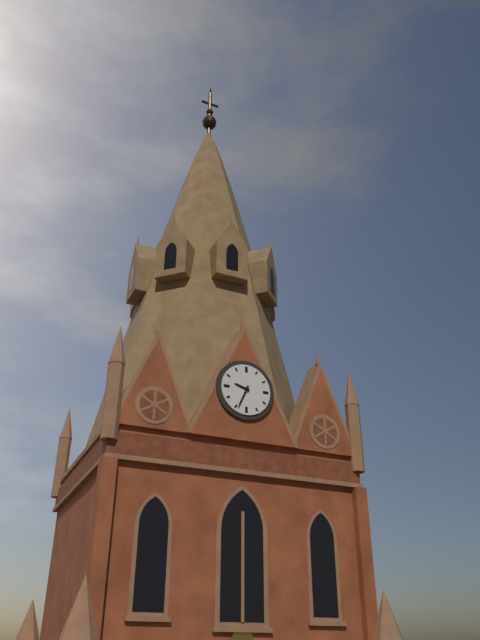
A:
9,34
